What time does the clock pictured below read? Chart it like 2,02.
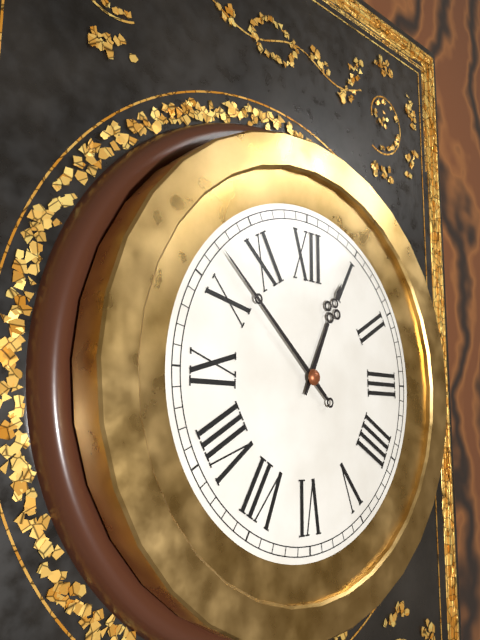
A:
12,52
